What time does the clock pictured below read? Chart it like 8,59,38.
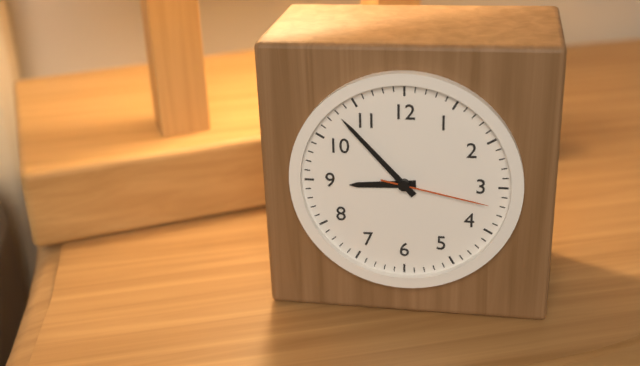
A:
8,53,17
